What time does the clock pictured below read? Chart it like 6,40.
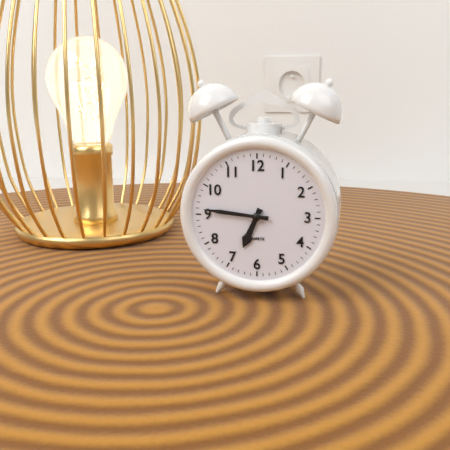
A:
6,46
